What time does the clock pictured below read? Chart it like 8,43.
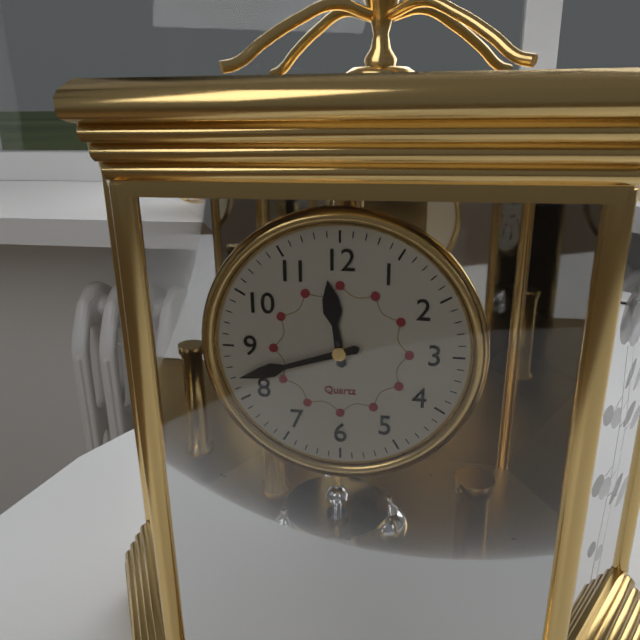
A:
11,42
